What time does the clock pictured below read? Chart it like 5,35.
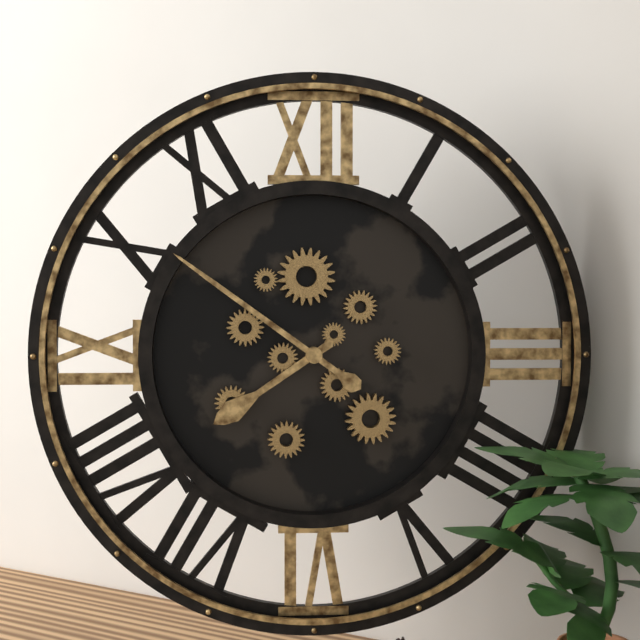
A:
7,51
